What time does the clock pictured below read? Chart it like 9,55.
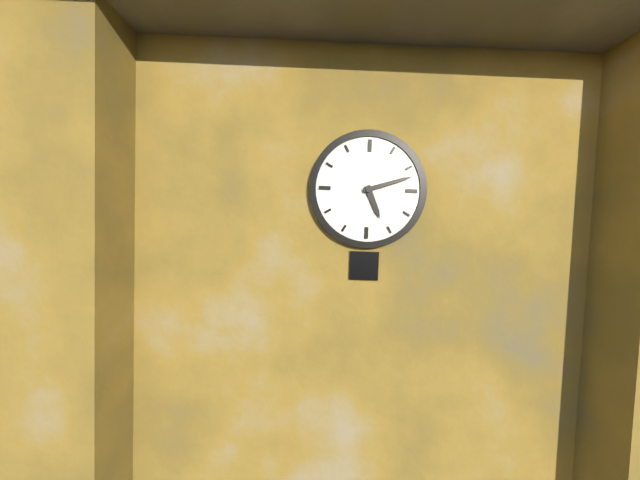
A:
5,12
